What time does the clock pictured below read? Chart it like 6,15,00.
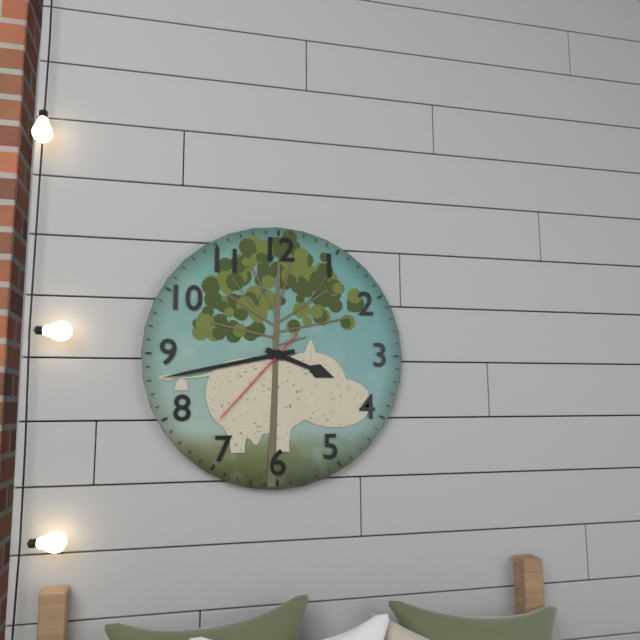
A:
3,43,37
